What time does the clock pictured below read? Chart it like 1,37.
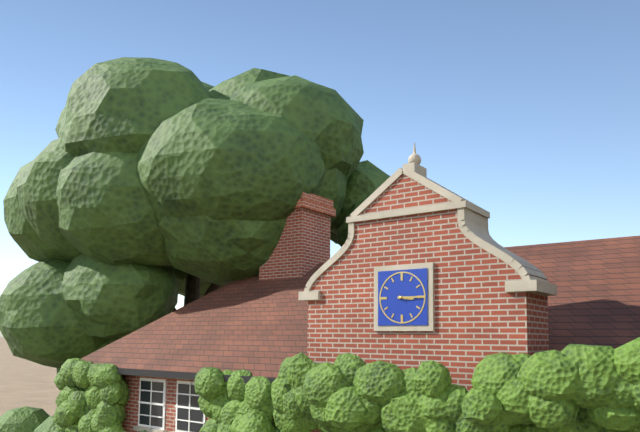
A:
3,15
